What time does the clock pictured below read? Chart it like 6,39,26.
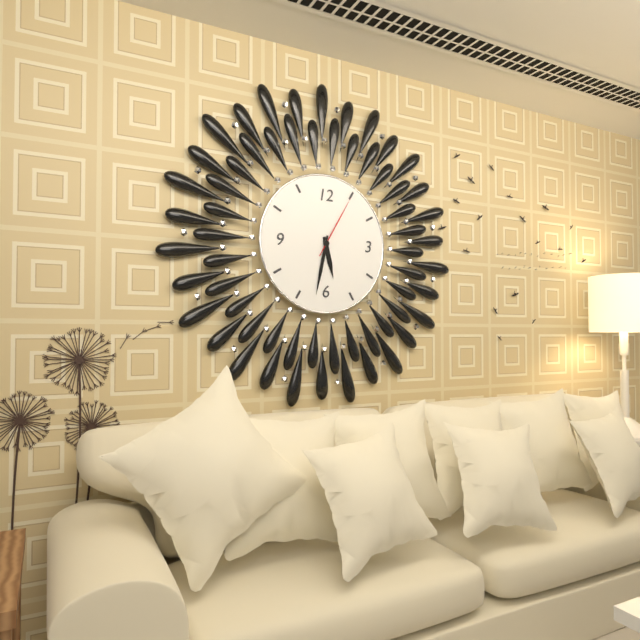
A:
5,32,05
